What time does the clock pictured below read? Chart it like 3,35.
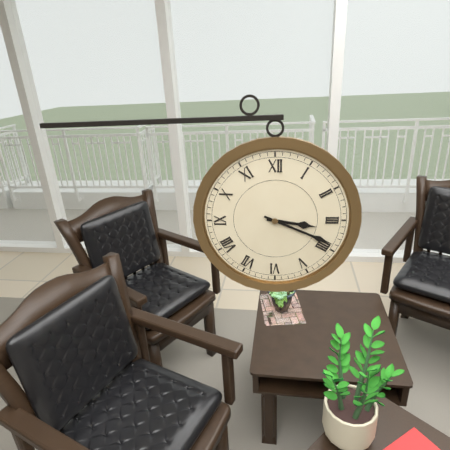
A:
3,19
